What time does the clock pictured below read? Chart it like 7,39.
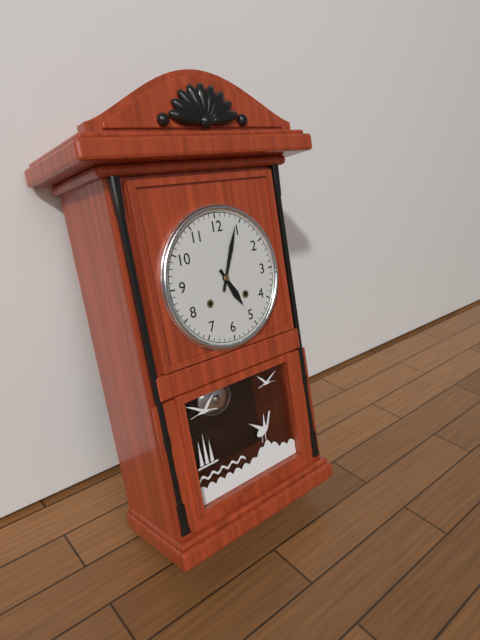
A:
5,04
